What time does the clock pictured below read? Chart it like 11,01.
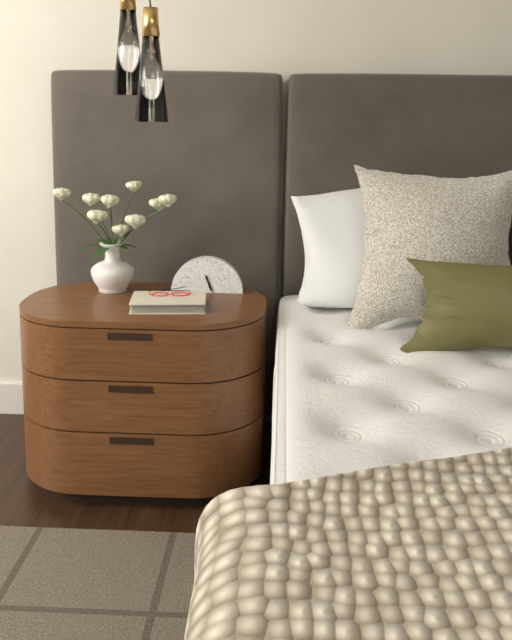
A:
5,26
